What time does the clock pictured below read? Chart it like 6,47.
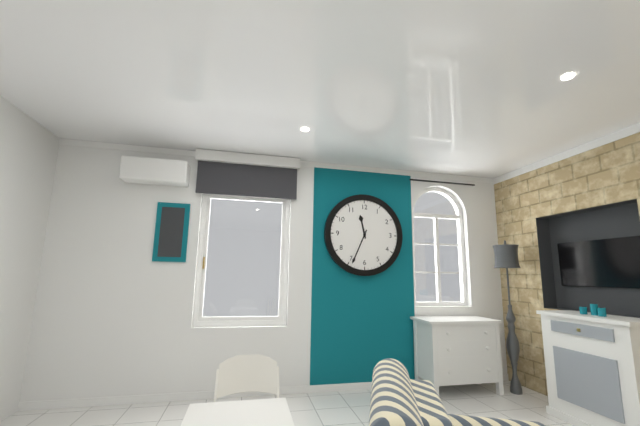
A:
11,34
